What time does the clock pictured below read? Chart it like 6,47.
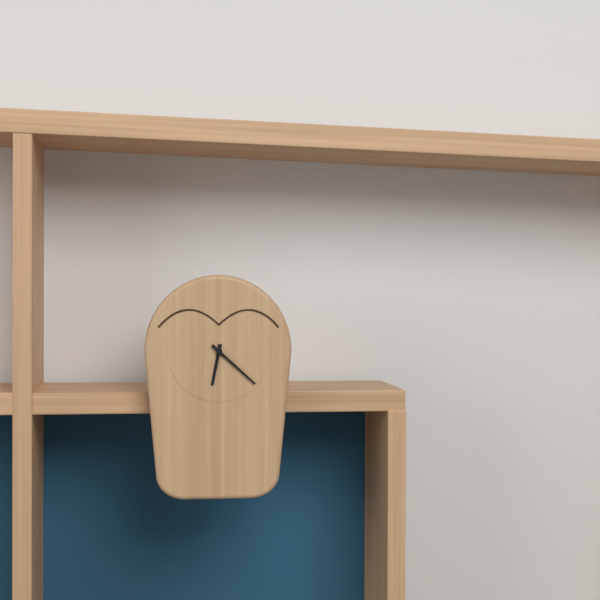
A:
6,22
